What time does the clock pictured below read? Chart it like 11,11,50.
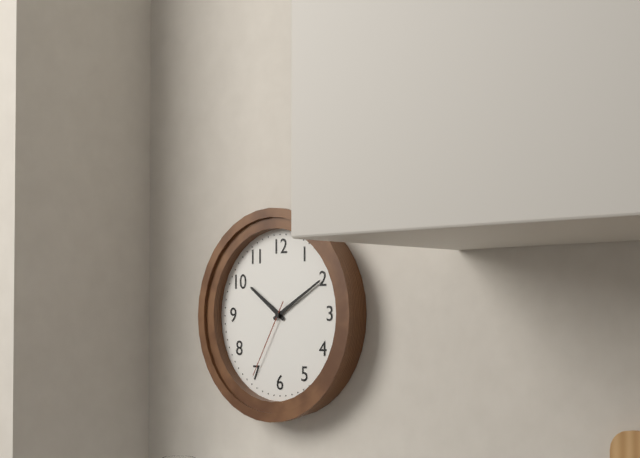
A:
10,10,35
